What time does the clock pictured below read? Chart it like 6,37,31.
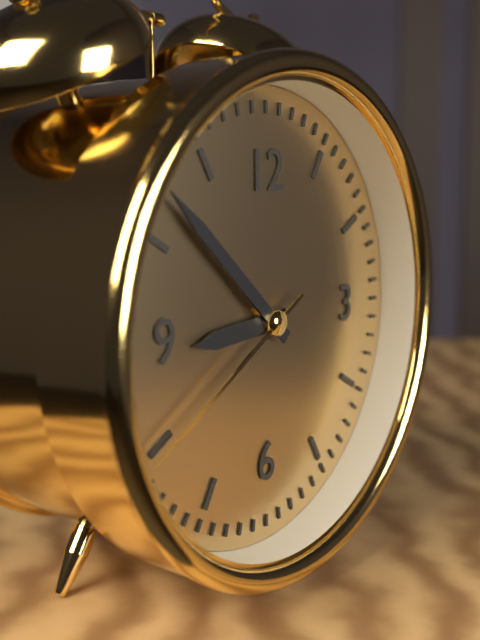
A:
8,52,40
